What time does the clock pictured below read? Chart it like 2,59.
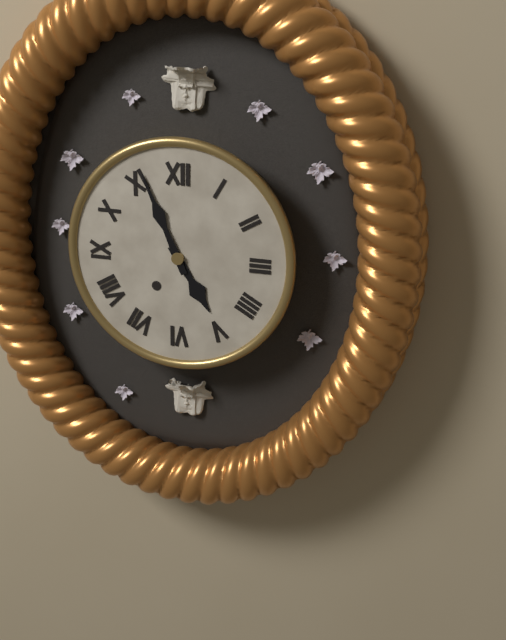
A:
4,56
